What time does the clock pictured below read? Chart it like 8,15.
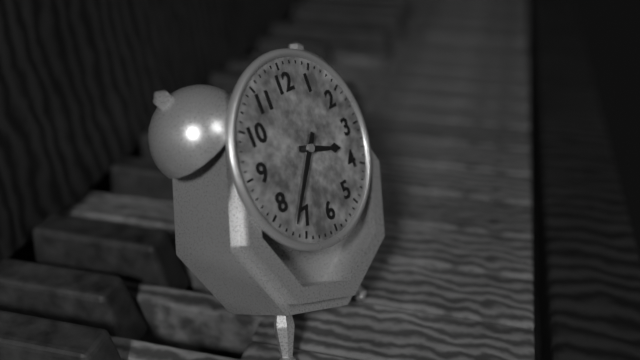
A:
3,37
